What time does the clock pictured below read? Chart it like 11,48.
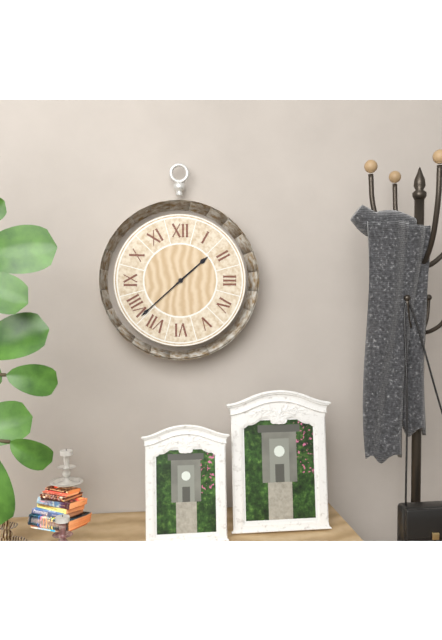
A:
1,38
